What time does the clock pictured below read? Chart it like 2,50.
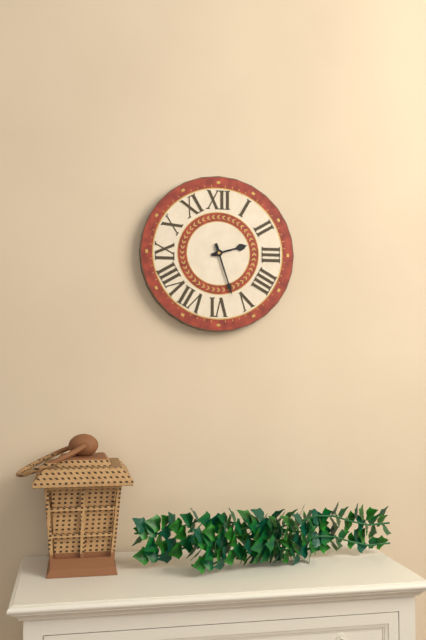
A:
2,27
